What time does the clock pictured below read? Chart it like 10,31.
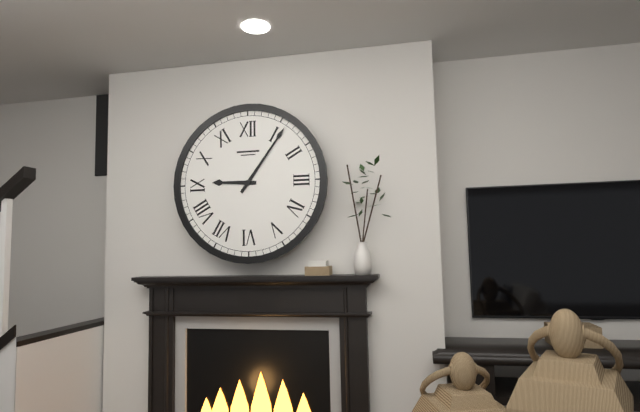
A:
9,06
